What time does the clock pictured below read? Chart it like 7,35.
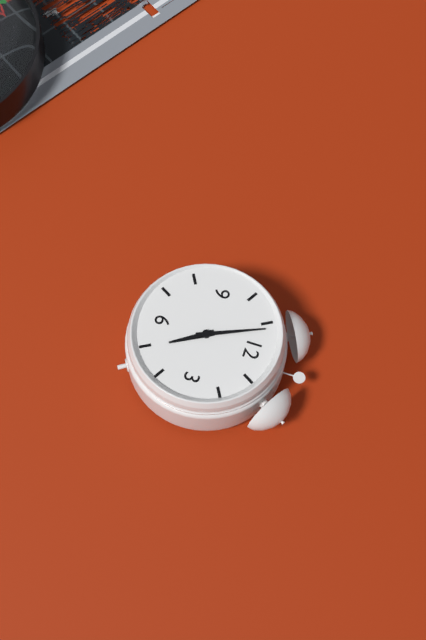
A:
4,56
